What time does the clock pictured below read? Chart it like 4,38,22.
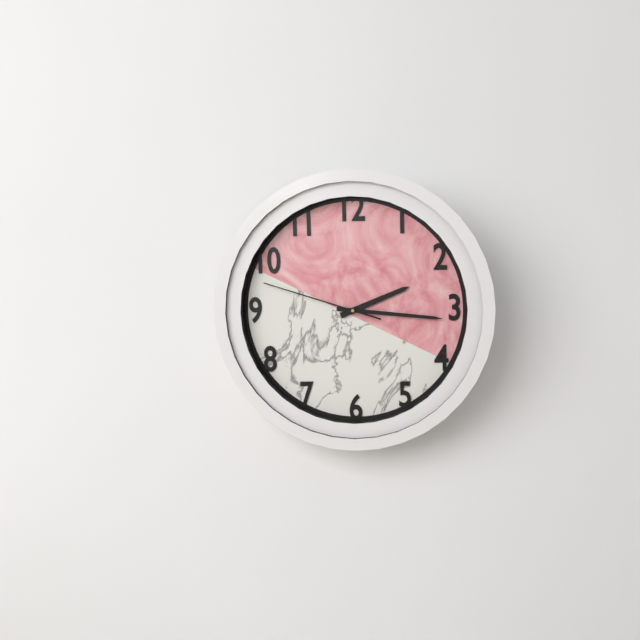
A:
2,16,48
